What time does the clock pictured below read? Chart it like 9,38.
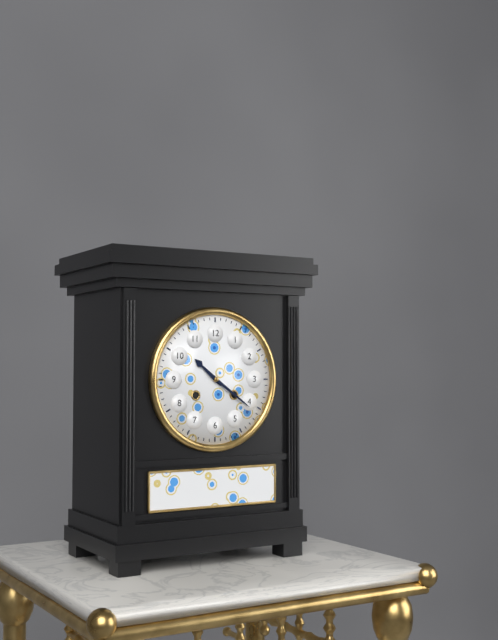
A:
10,21
